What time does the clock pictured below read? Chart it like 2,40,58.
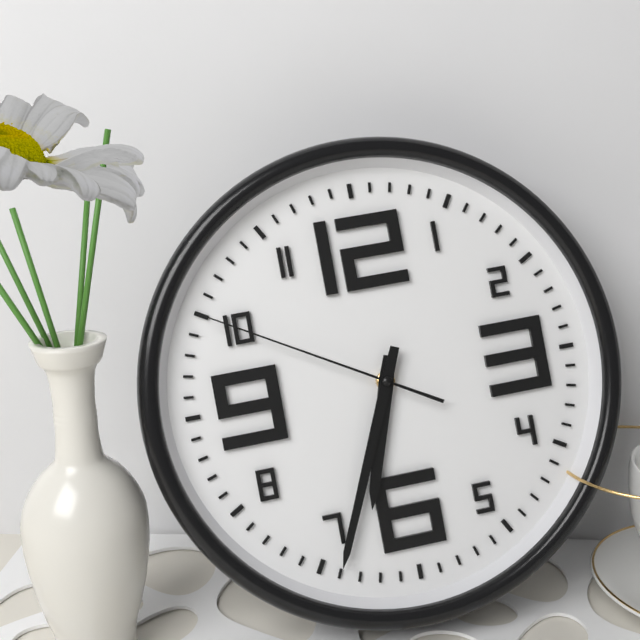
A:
6,34,50
